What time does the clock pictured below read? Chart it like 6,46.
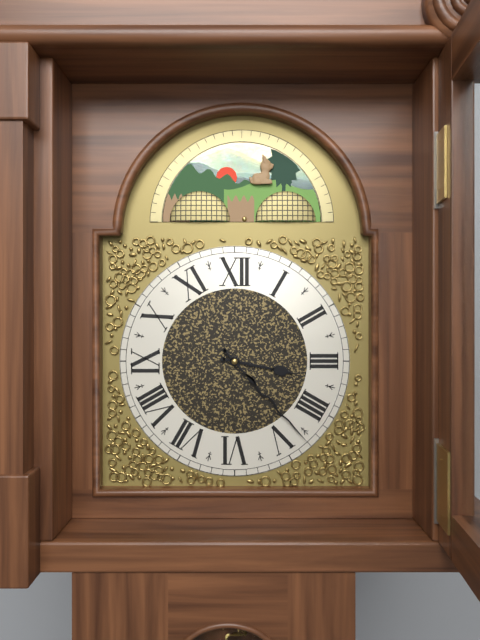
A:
3,23
